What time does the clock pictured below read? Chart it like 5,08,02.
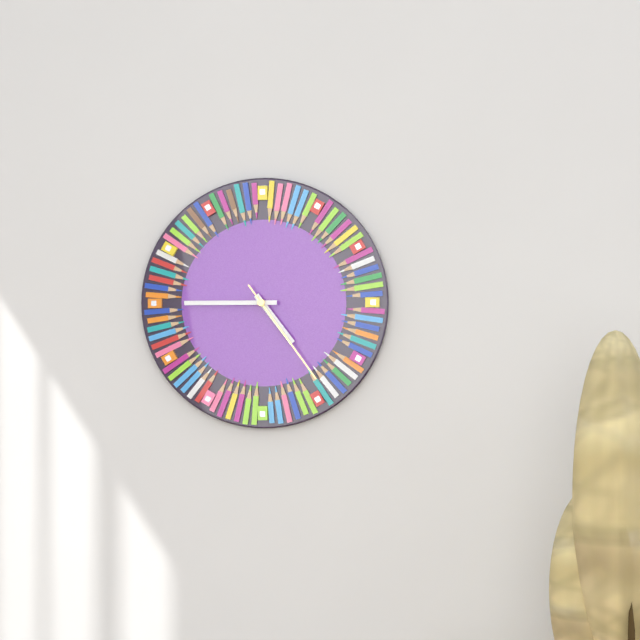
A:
4,45,24
